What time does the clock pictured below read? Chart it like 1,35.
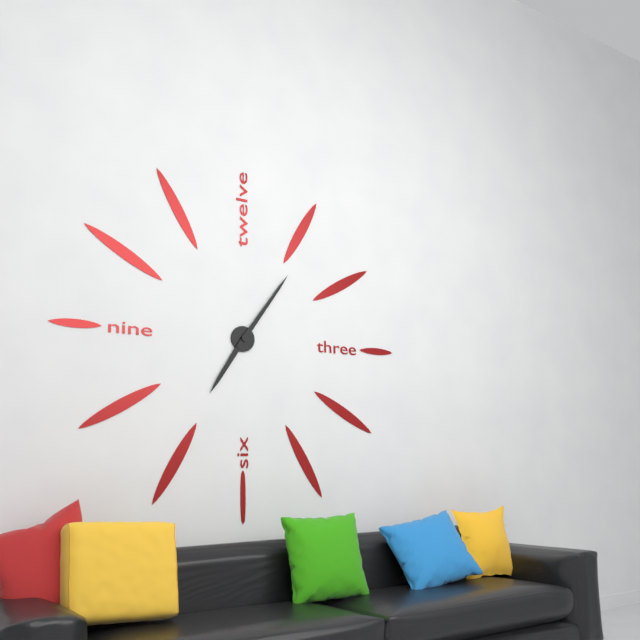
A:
7,06
